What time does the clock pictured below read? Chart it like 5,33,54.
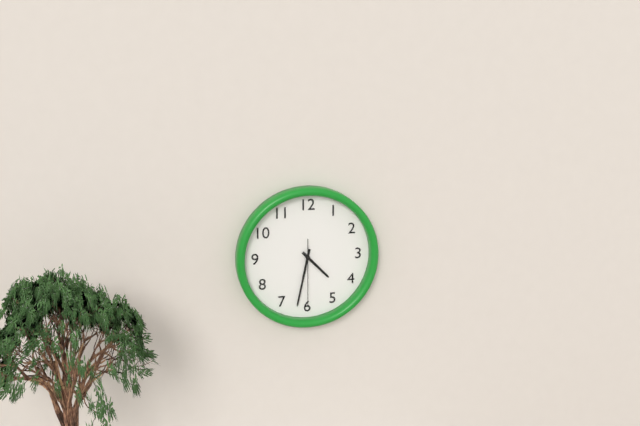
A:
4,32,30
